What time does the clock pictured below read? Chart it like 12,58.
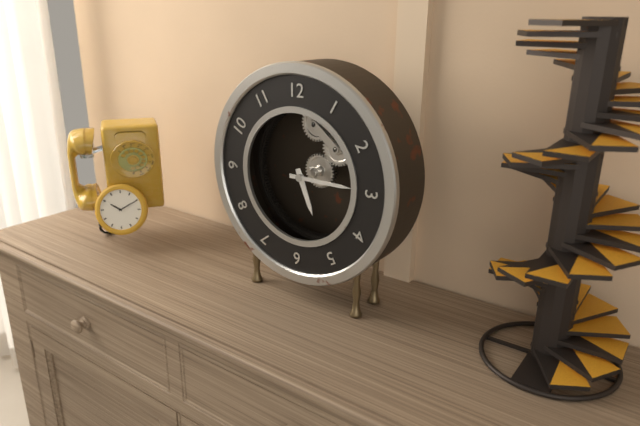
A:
5,15
